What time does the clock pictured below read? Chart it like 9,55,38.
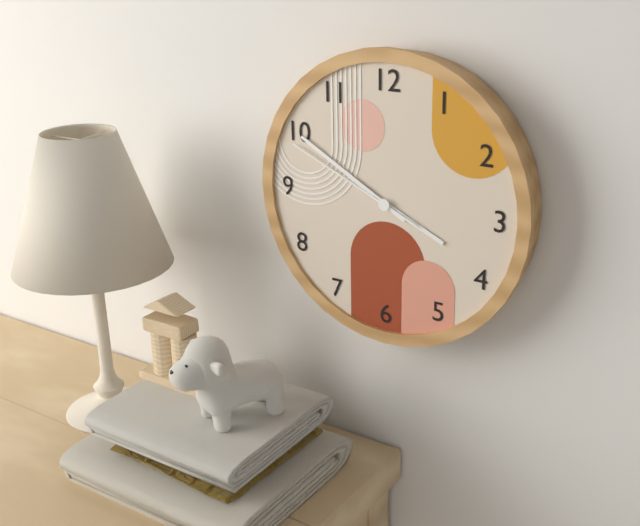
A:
3,50,49
